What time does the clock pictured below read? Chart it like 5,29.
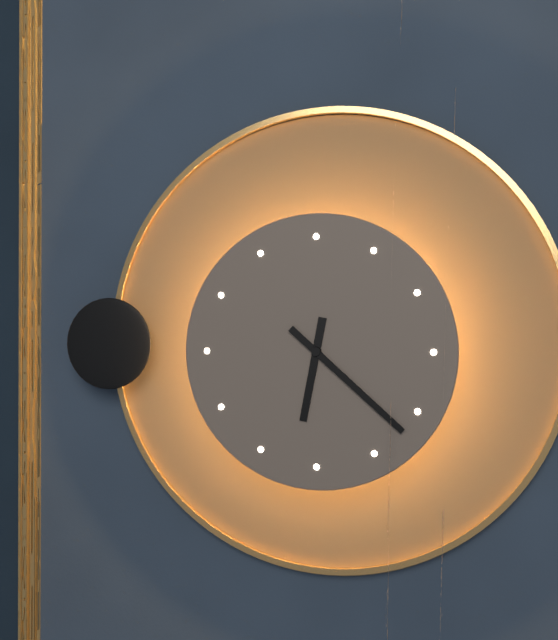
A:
6,22
